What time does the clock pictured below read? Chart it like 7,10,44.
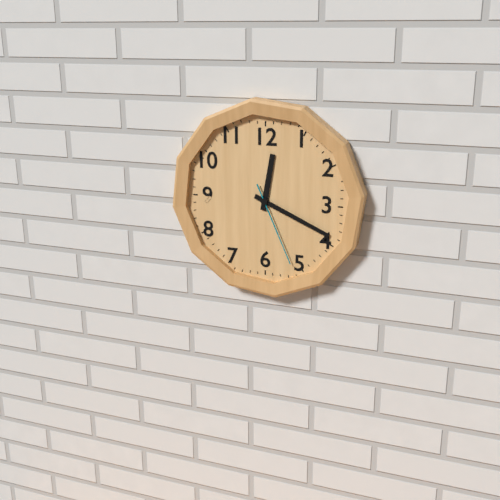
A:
12,19,26
